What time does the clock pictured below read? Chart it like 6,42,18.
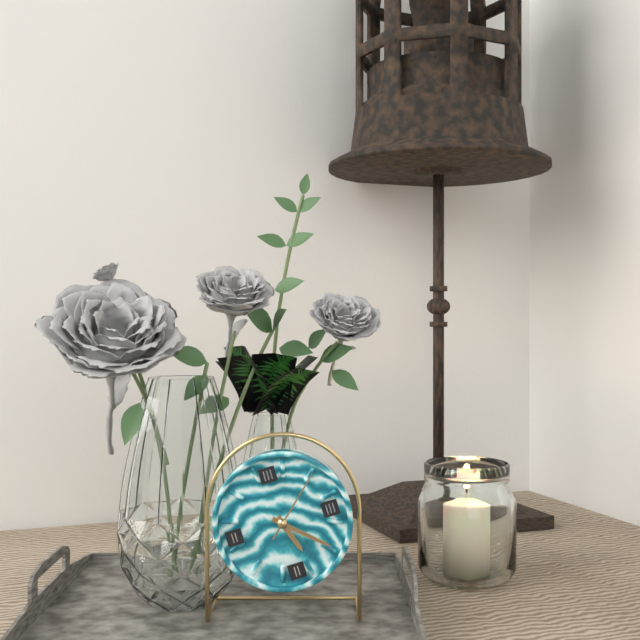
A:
5,22,08
